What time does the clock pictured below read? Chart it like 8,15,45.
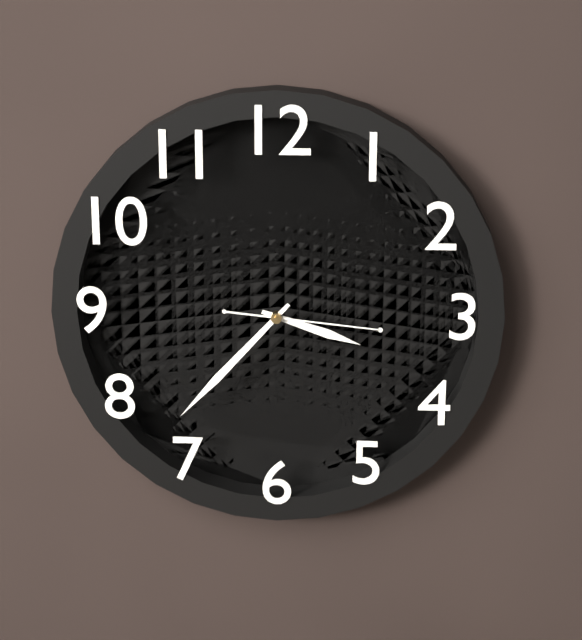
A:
3,37,16
